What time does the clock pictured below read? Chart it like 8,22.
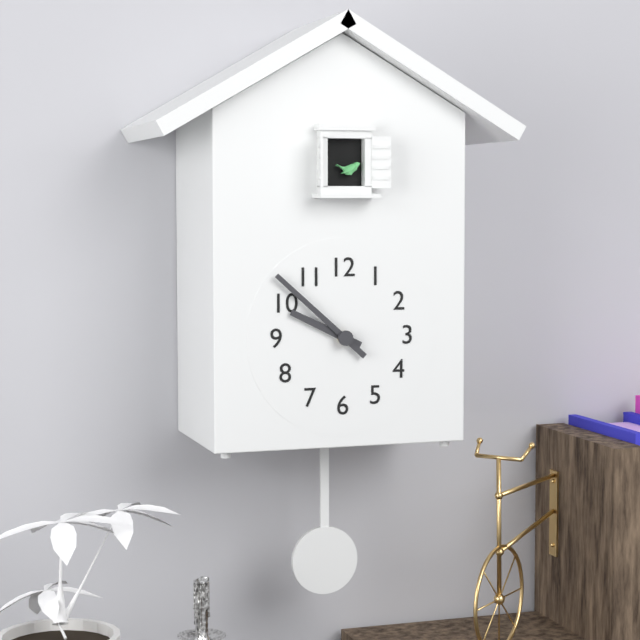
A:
9,52
